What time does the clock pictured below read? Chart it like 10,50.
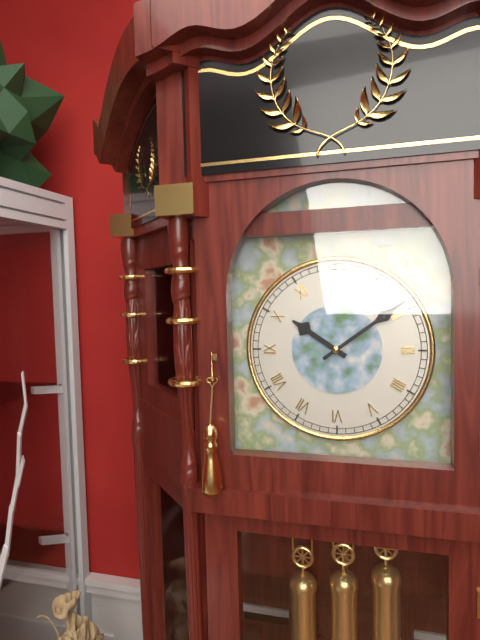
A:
10,09
